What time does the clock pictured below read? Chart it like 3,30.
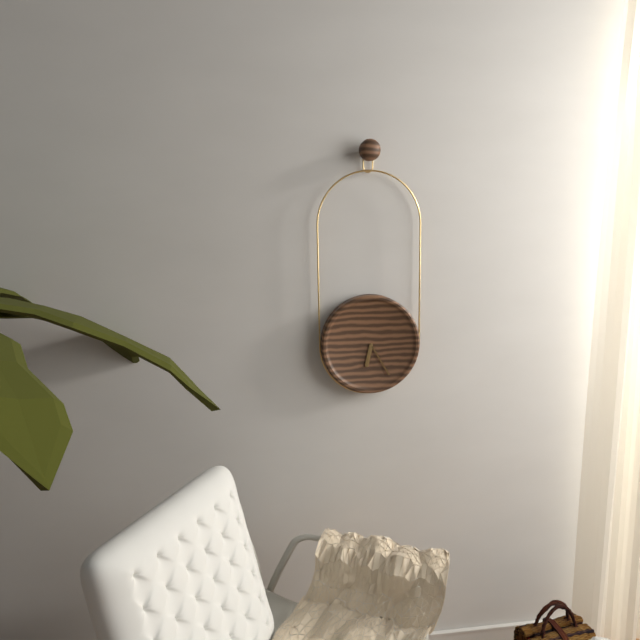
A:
6,25
